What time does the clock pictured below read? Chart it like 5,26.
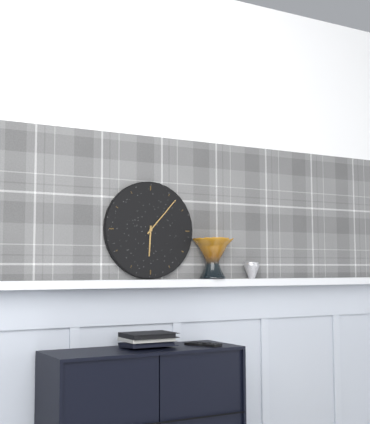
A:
6,07
